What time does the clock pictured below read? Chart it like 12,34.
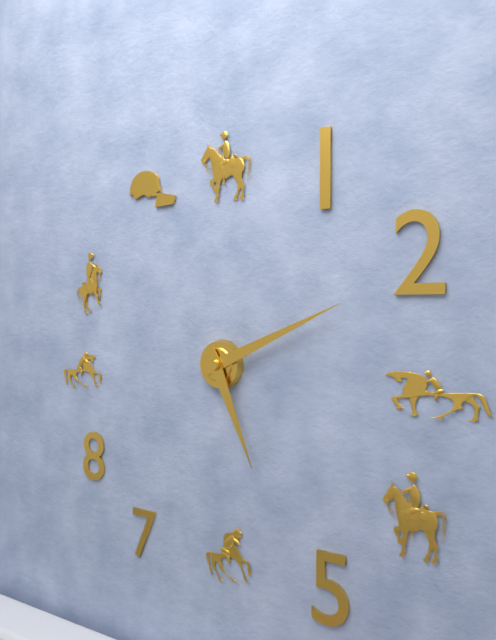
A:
5,11
